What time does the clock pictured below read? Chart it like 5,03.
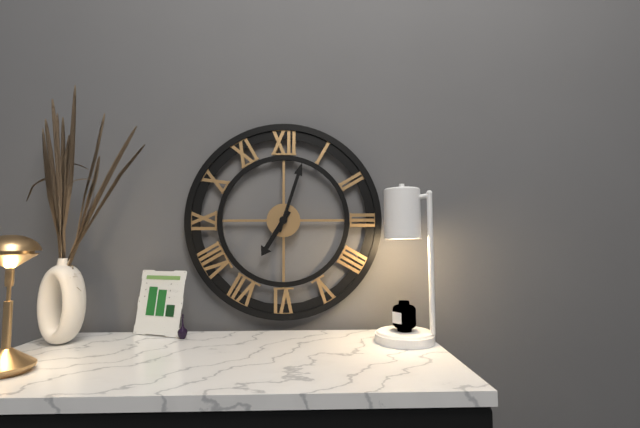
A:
7,03
